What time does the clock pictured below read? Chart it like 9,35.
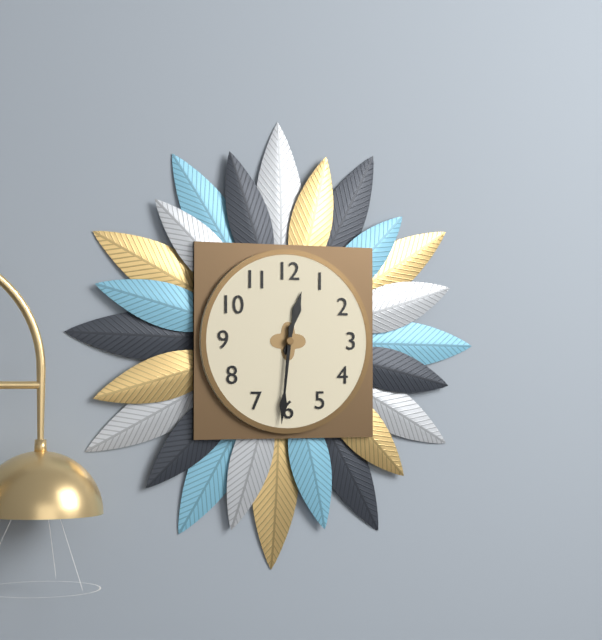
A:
12,31
